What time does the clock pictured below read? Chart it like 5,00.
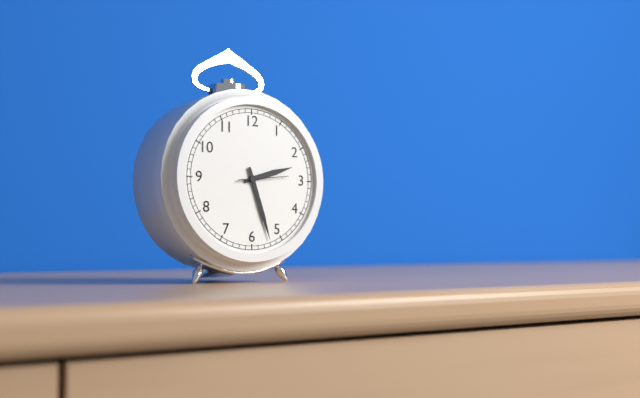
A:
2,27
